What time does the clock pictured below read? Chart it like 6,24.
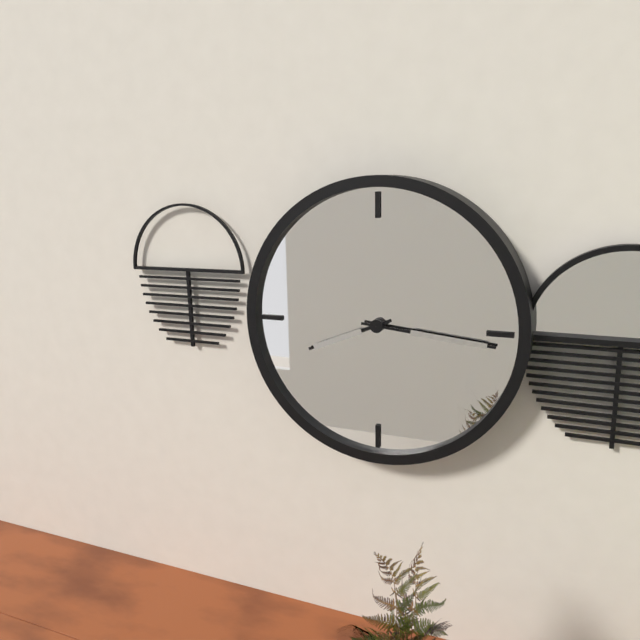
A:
8,16
